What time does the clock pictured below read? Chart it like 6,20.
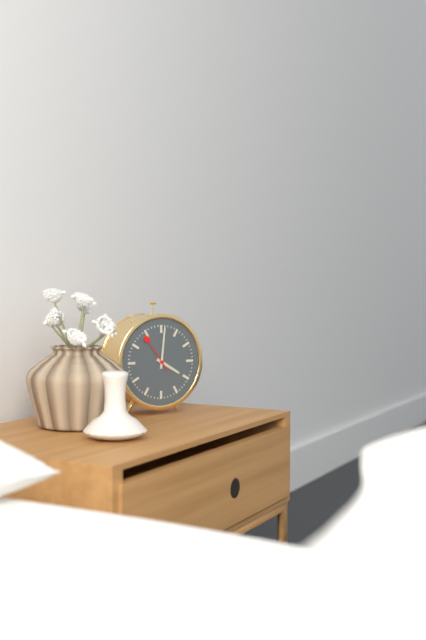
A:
4,01
